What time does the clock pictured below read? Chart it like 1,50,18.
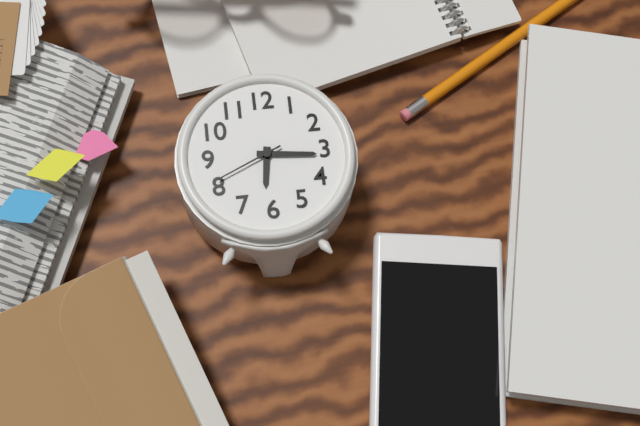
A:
6,16,41
